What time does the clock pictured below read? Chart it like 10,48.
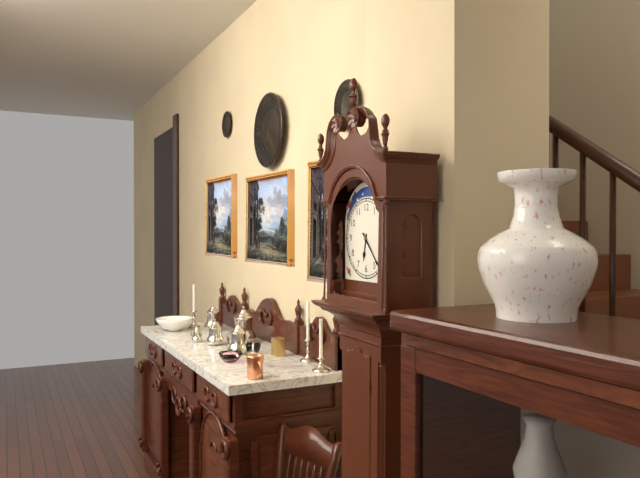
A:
6,23
